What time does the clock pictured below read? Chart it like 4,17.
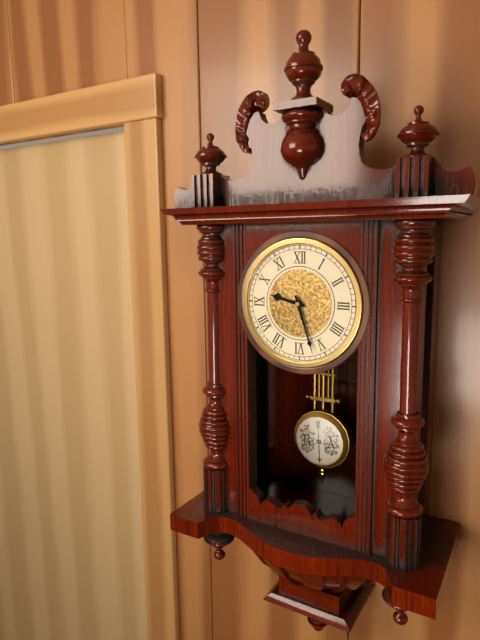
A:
9,27
